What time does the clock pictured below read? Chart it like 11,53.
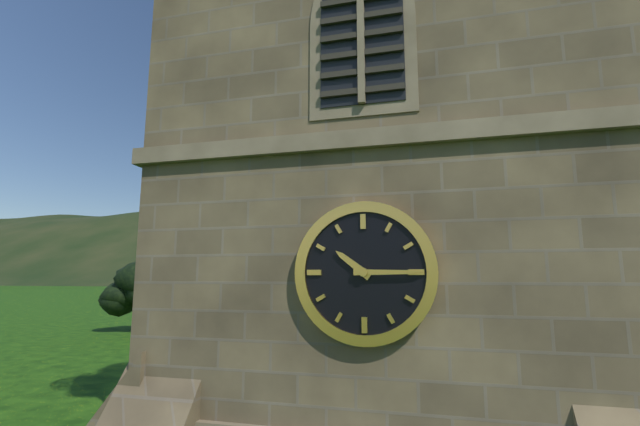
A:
10,15
